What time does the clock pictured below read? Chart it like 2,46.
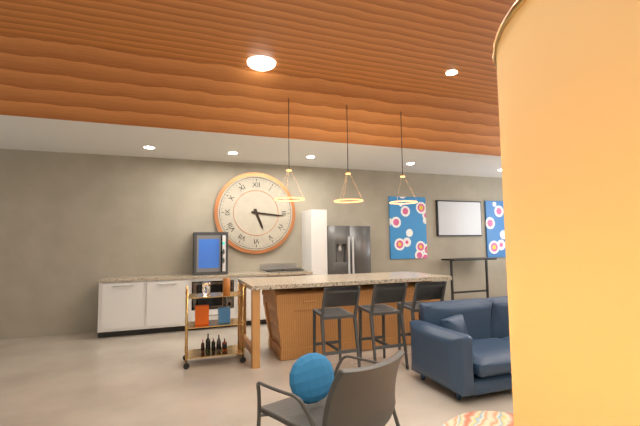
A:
5,16
